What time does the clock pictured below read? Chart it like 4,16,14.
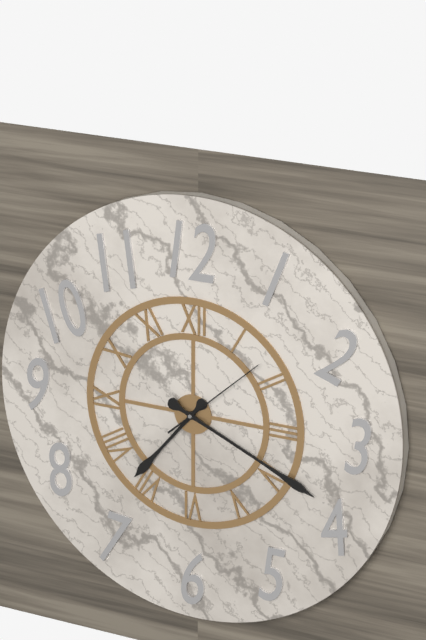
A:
7,19,08
